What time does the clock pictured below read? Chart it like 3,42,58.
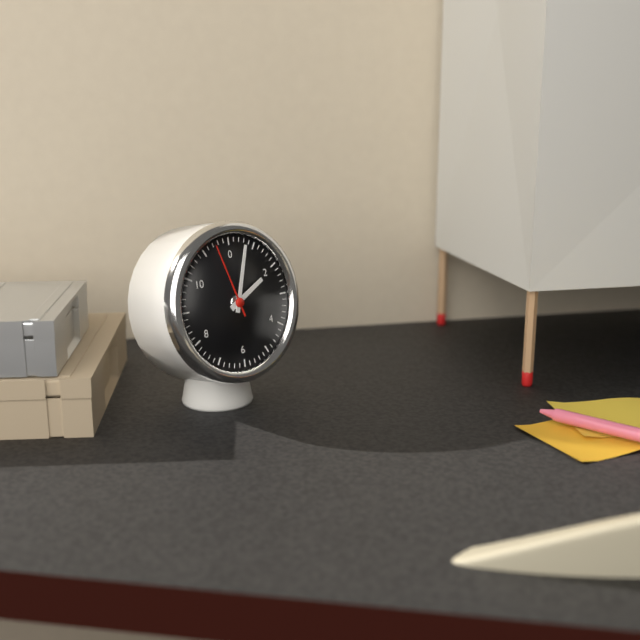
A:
2,03,57
